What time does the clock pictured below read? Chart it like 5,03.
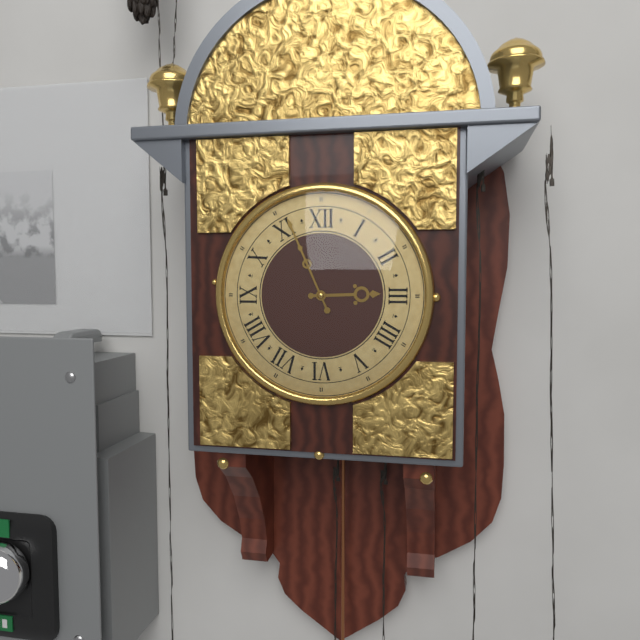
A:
2,56
